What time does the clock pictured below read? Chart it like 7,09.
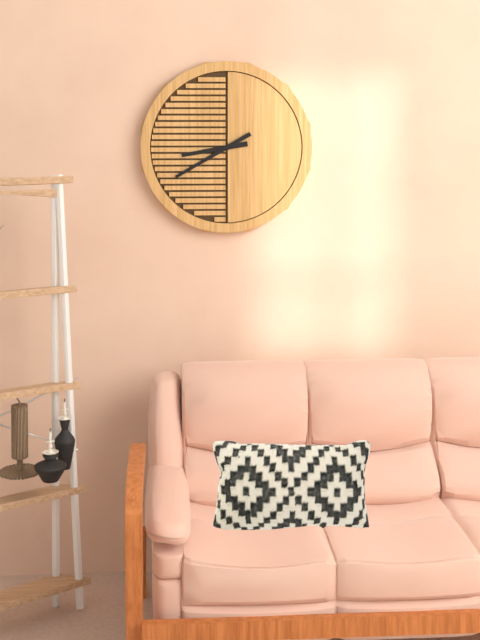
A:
8,40
